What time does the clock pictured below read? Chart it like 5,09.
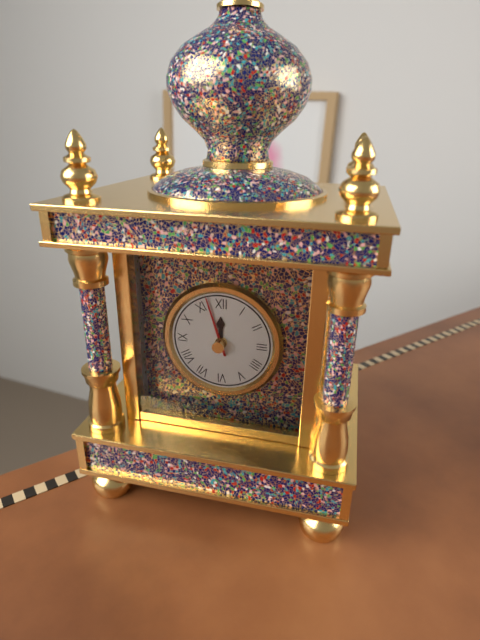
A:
11,57
